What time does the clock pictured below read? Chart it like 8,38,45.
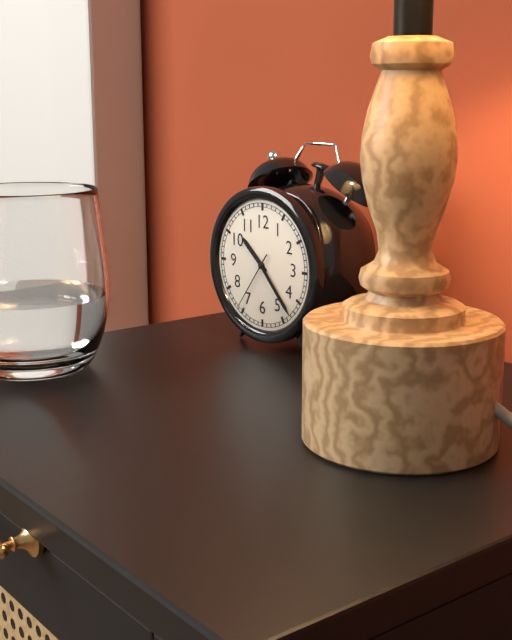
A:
10,23,36
